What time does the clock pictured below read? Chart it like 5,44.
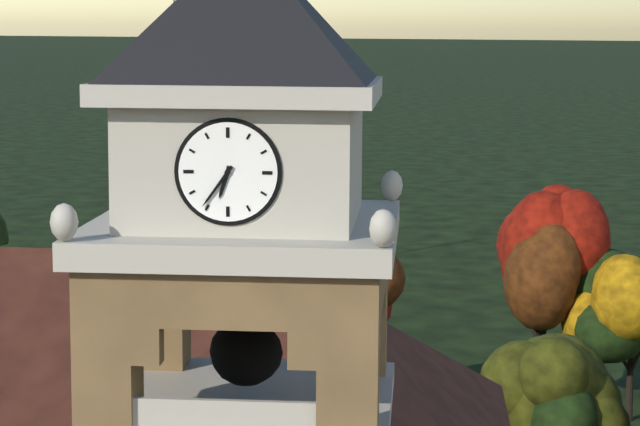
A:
6,36
